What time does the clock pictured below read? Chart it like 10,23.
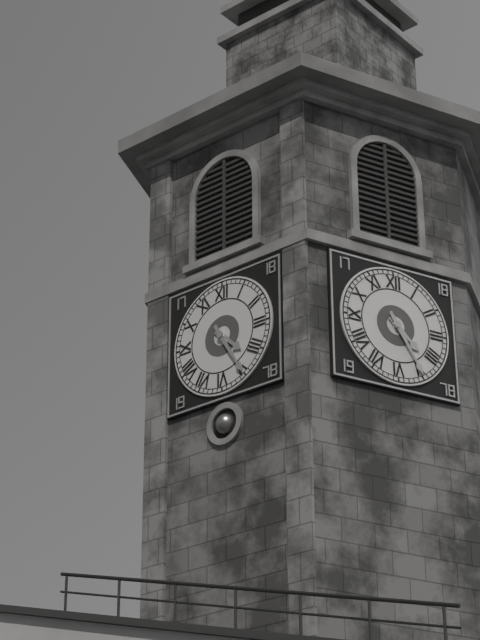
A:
4,25
